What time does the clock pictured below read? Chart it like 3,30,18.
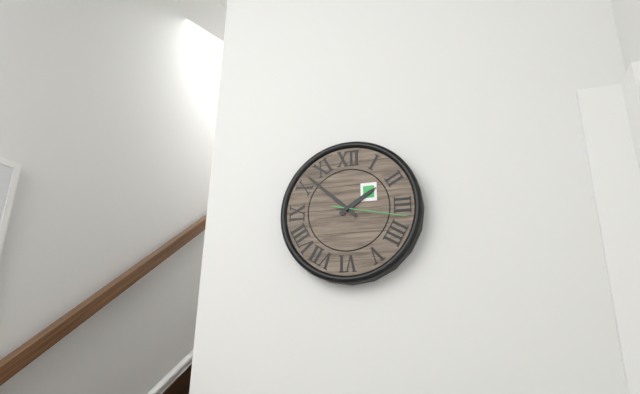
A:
1,52,17
